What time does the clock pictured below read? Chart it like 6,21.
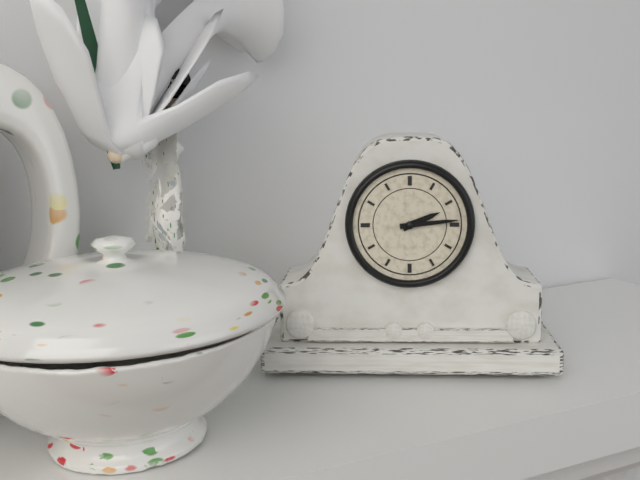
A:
2,14
